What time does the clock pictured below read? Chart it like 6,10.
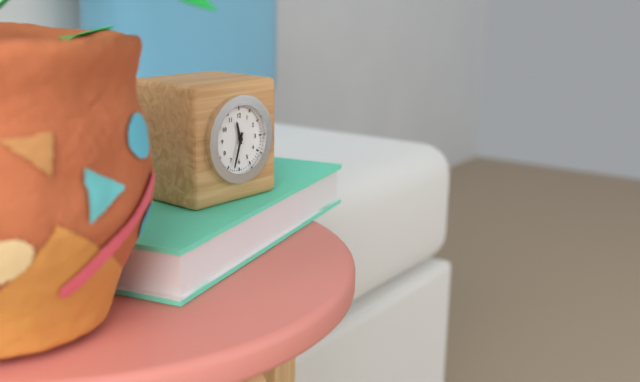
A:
11,33
